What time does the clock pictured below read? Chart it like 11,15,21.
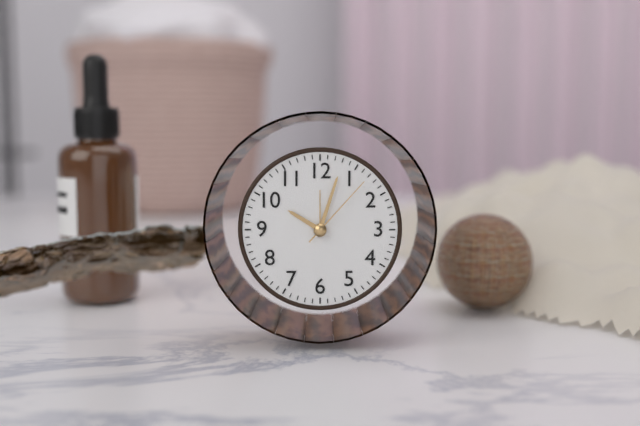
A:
10,03,07
